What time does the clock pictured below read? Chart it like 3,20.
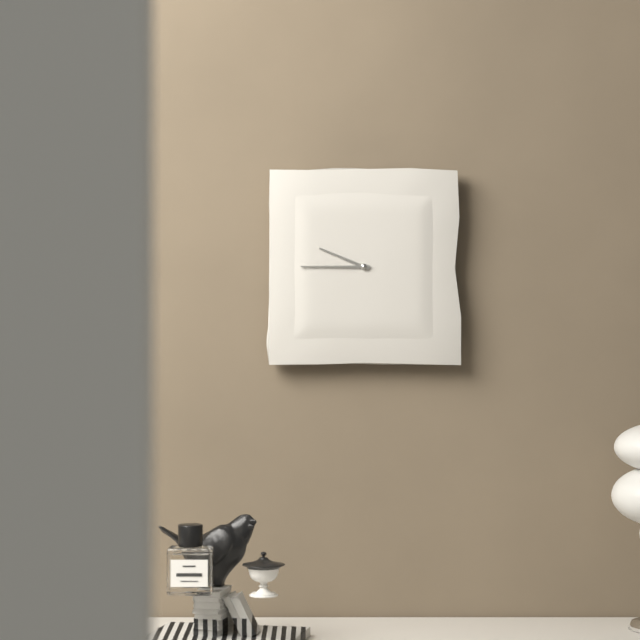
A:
9,45
